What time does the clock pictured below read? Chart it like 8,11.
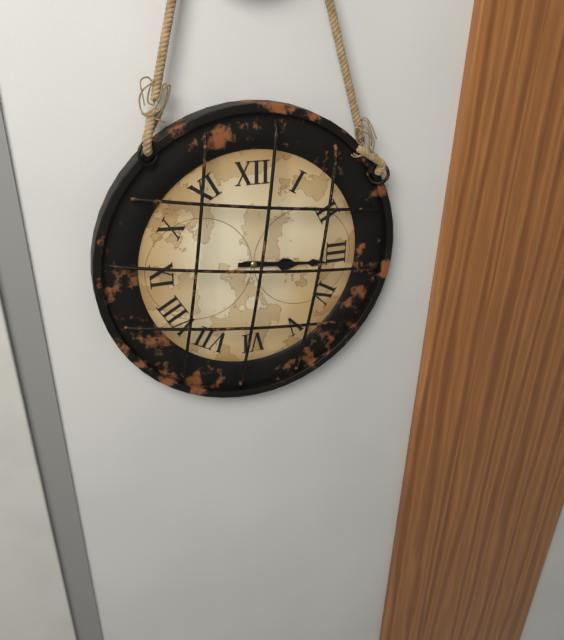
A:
3,16
